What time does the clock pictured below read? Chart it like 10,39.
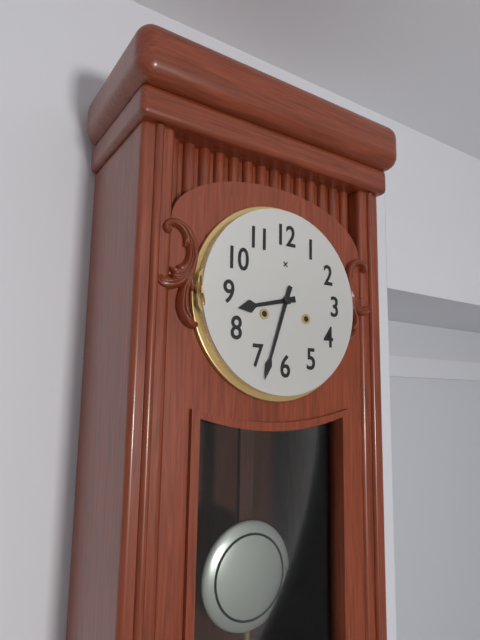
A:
8,33
